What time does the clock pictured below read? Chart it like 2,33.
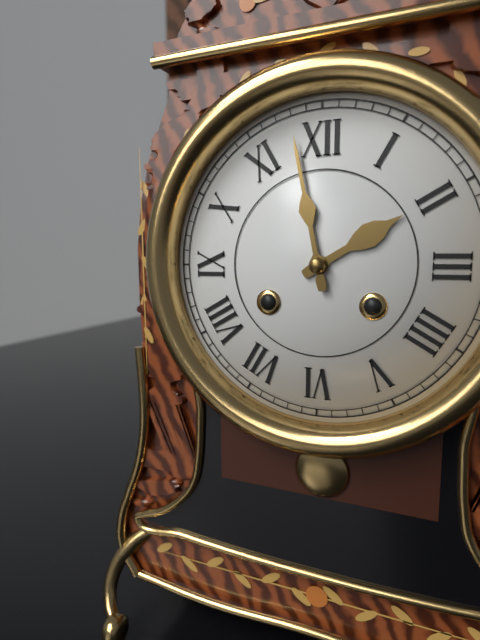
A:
1,58
